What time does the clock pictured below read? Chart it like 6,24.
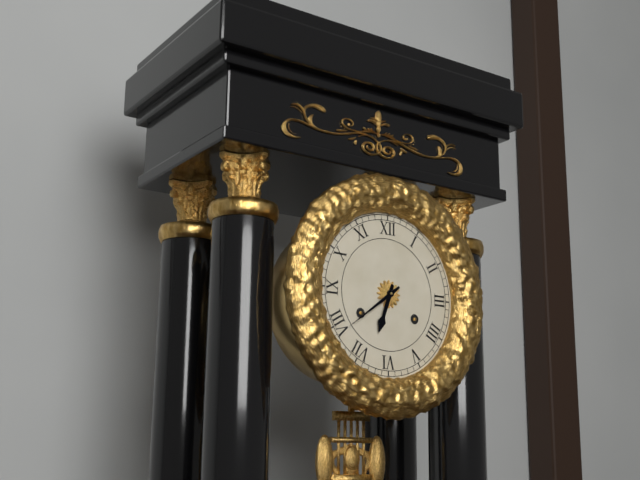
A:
6,39
